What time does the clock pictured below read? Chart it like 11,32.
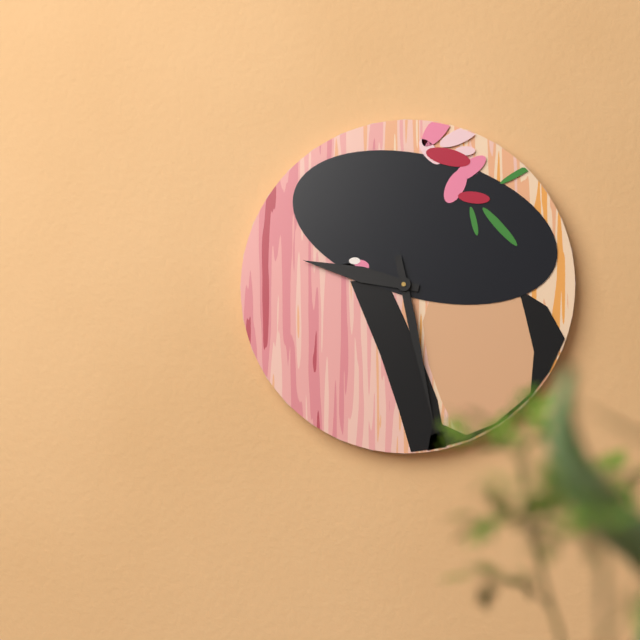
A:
9,28
